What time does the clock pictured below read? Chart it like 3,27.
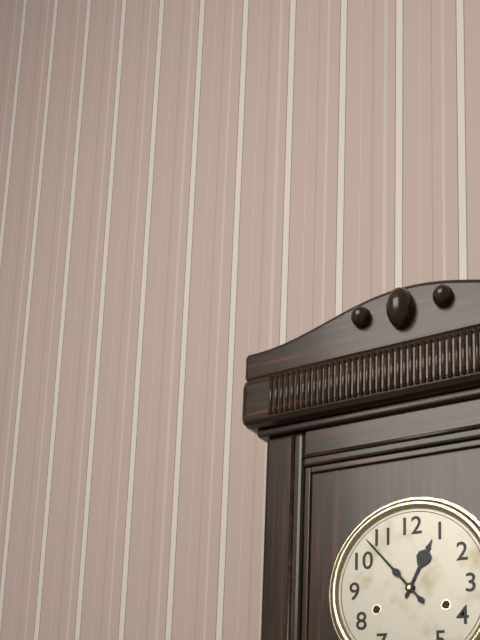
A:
12,53
